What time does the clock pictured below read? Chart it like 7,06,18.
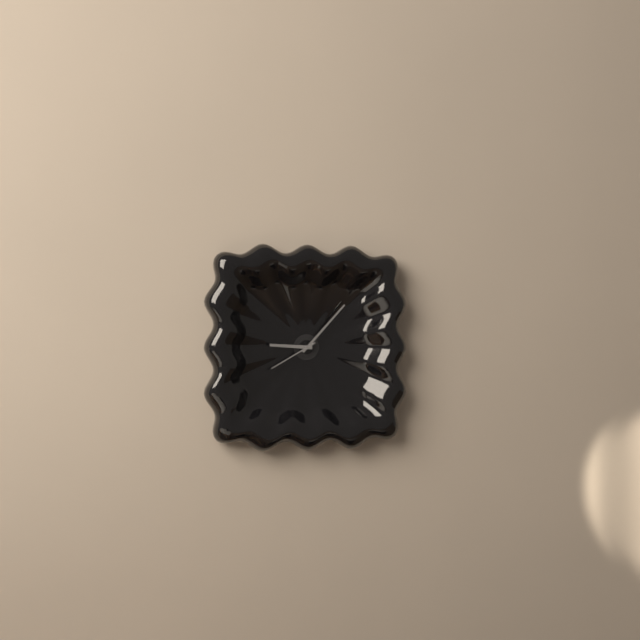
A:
9,07,40
